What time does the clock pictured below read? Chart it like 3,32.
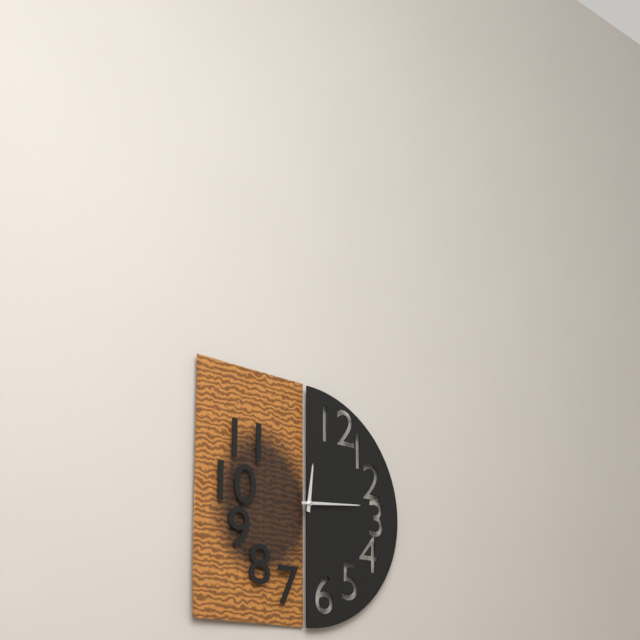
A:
12,14
